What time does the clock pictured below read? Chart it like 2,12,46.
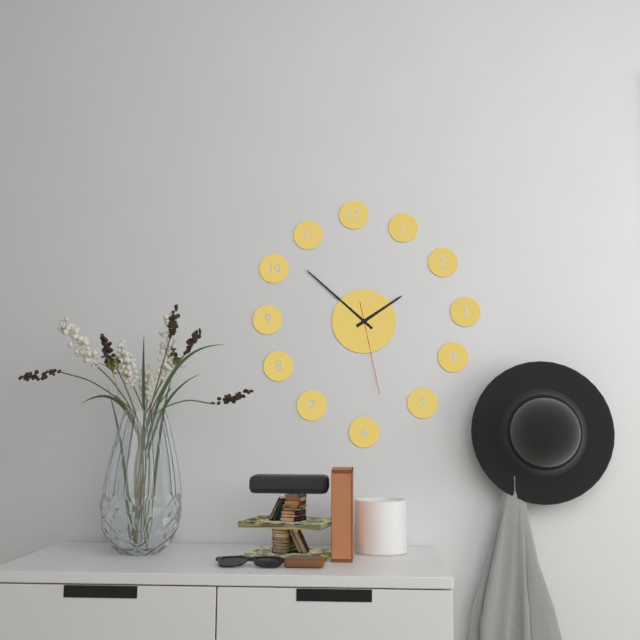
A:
1,52,28
